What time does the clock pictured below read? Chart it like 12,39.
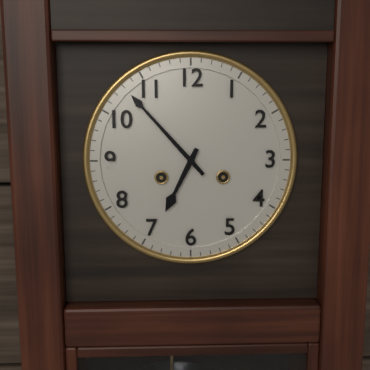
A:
6,53
